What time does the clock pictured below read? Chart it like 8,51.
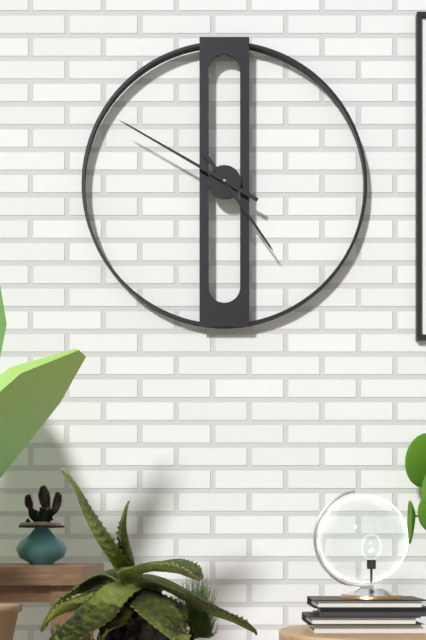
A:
4,50
